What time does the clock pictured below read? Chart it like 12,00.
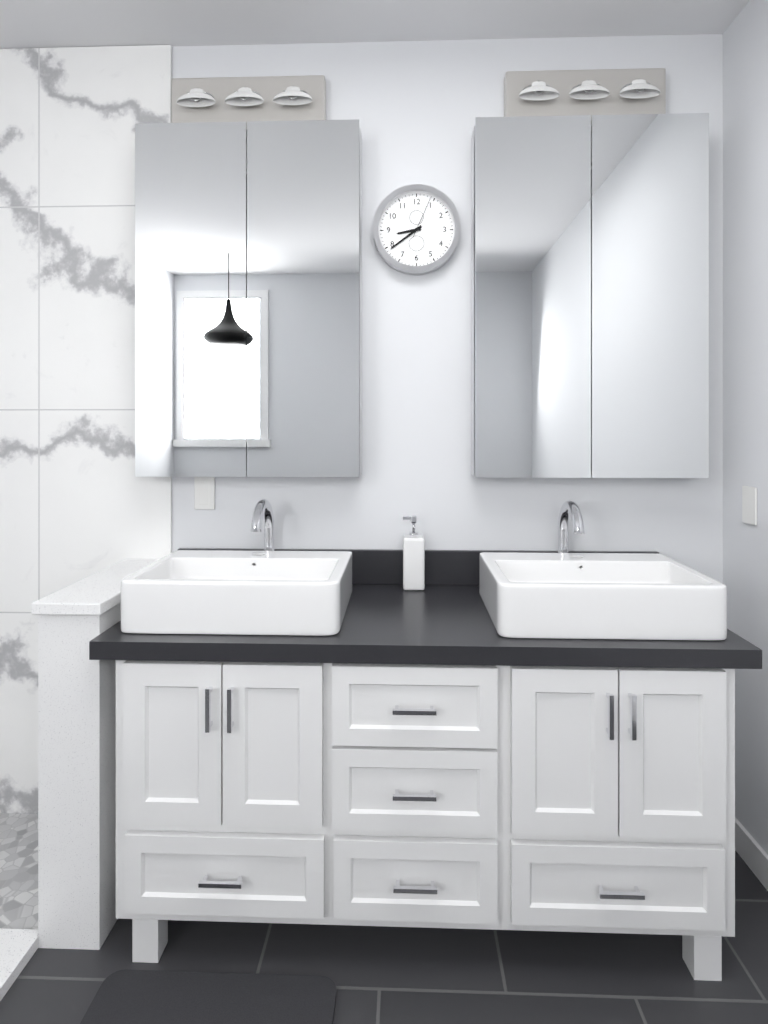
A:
8,39
